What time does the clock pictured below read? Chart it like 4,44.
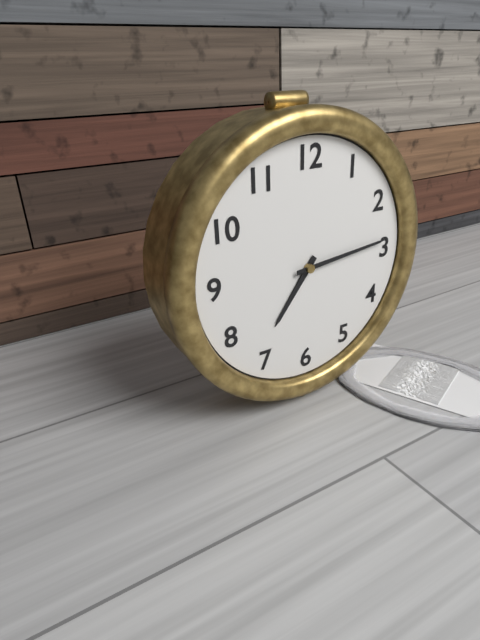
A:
7,14
